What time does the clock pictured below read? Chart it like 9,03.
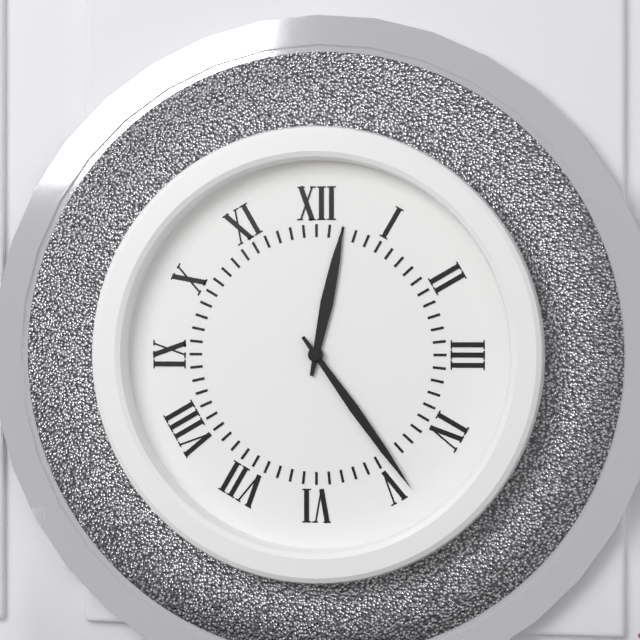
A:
12,24
